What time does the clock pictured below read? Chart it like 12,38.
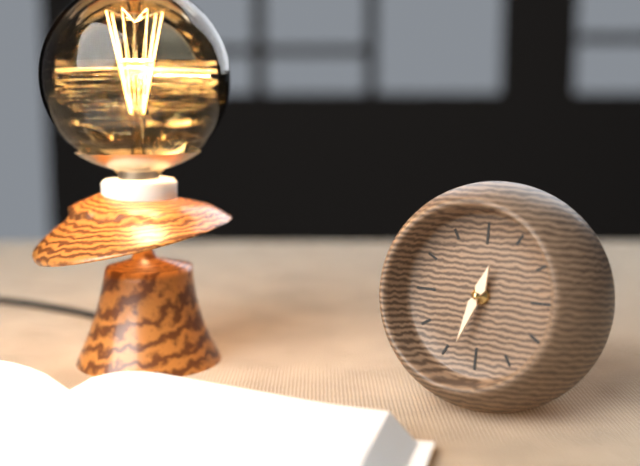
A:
12,33
